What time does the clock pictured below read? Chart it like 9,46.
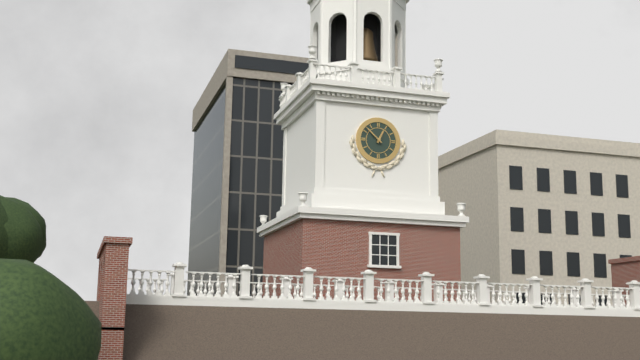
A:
12,52
